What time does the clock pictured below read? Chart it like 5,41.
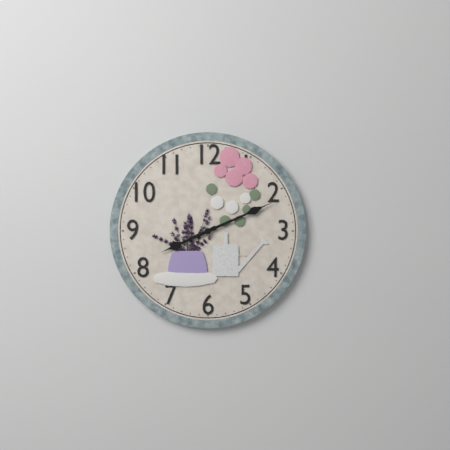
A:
8,11
